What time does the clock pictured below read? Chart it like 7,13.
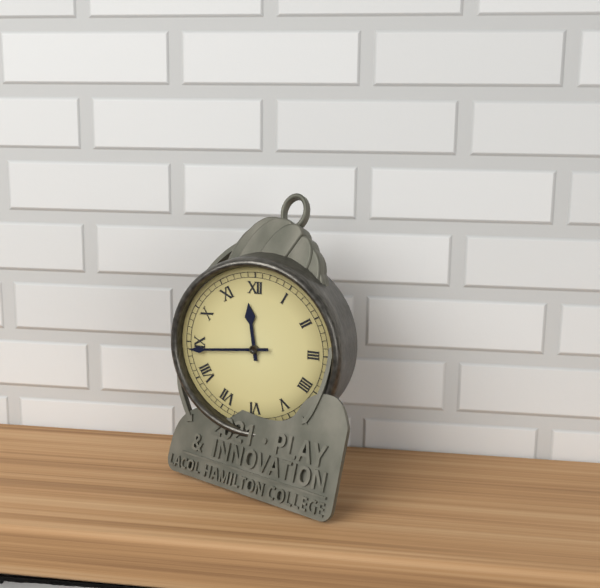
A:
11,44
